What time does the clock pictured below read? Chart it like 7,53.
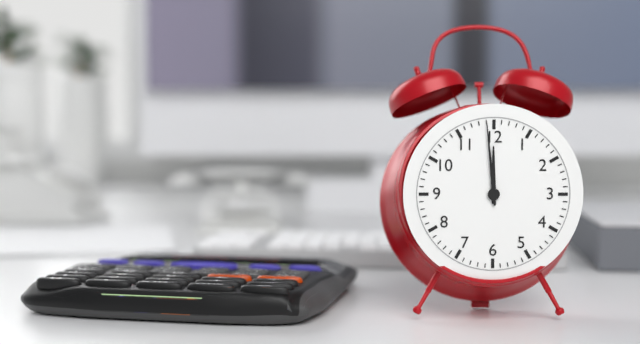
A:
11,59
